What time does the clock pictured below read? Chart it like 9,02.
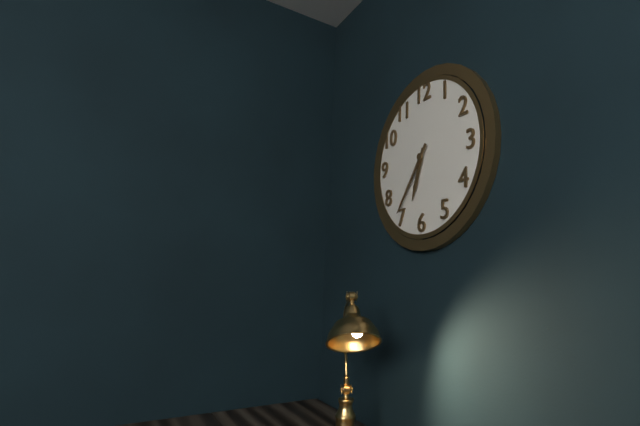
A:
6,36
